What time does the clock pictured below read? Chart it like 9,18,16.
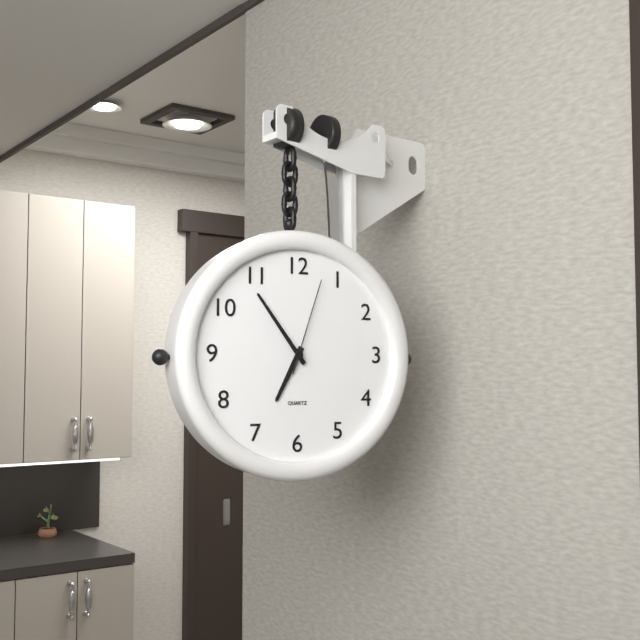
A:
6,54,03
